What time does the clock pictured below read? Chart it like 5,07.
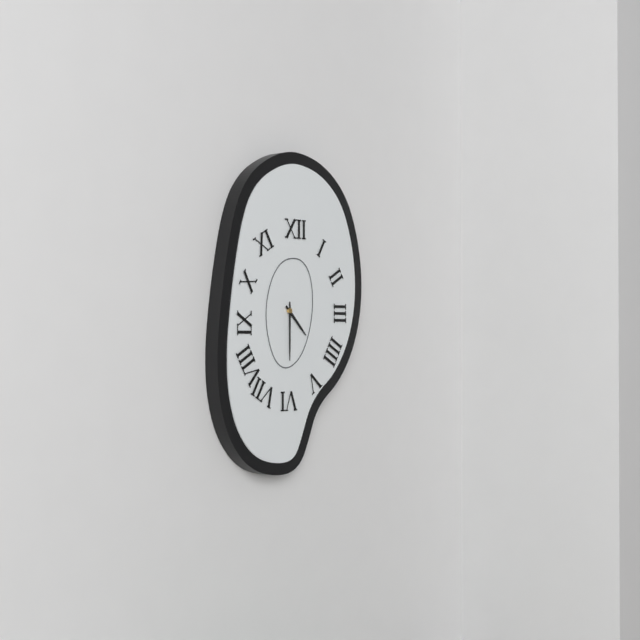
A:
4,30
